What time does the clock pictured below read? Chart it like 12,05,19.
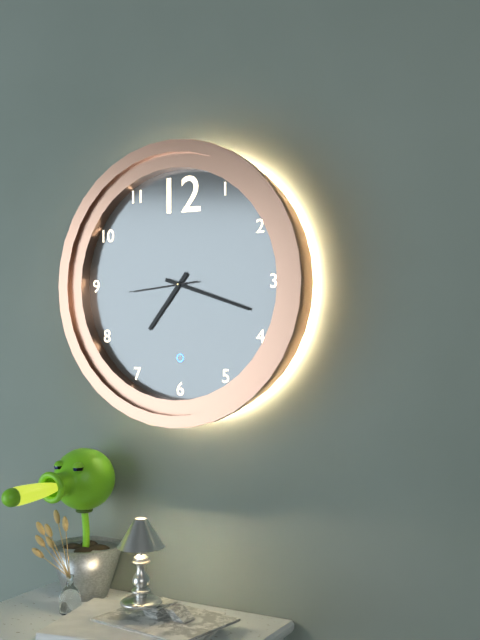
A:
7,18,44
